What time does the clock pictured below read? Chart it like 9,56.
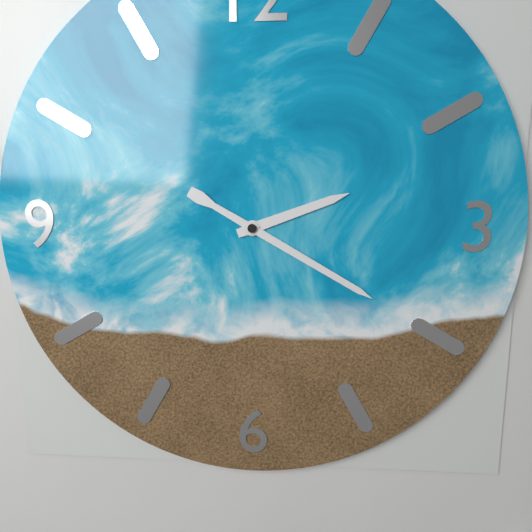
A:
2,20
